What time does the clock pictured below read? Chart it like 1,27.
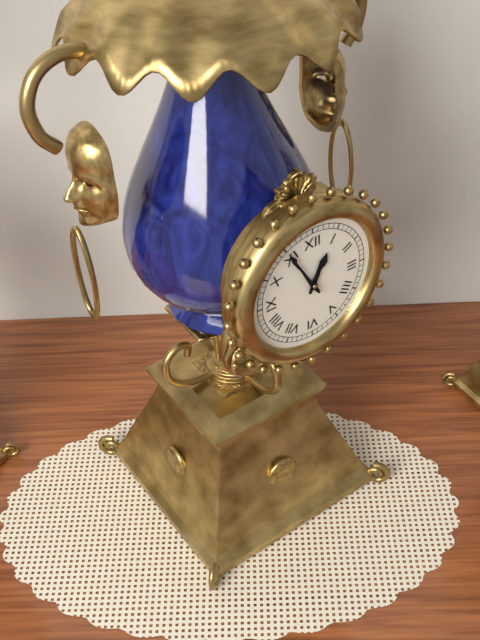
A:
12,55
